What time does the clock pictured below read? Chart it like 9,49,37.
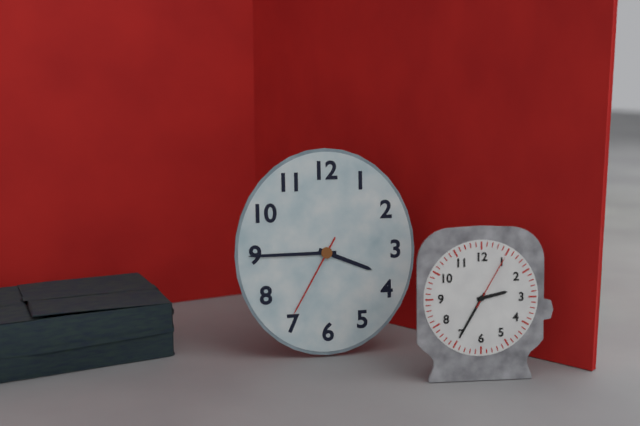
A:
3,45,35
